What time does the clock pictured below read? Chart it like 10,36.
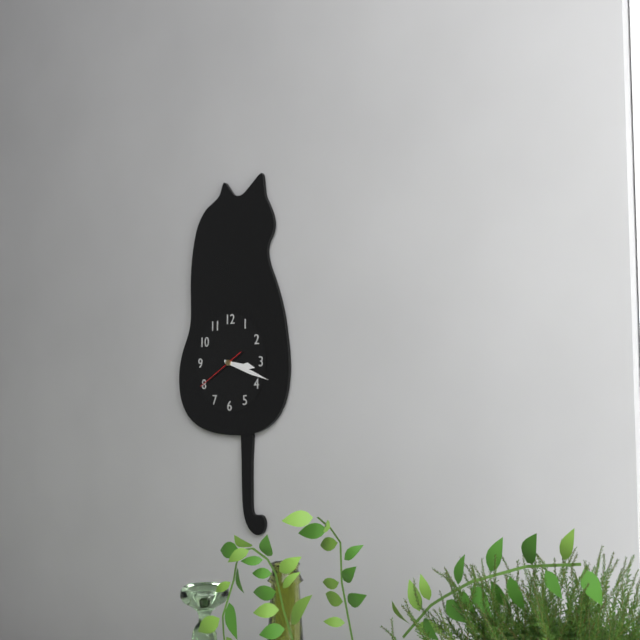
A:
3,18
